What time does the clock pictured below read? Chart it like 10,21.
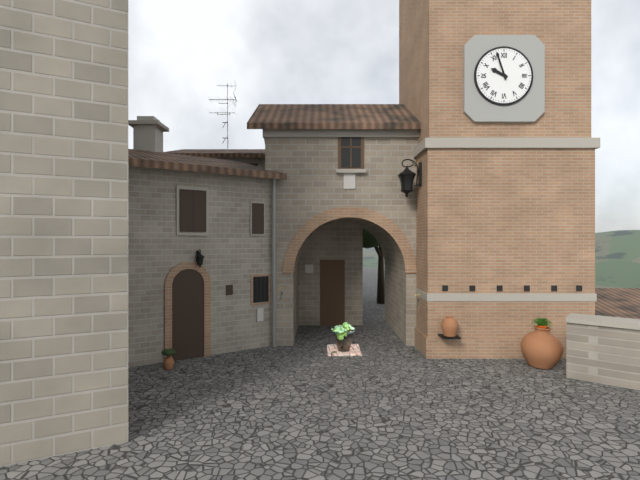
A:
9,57
